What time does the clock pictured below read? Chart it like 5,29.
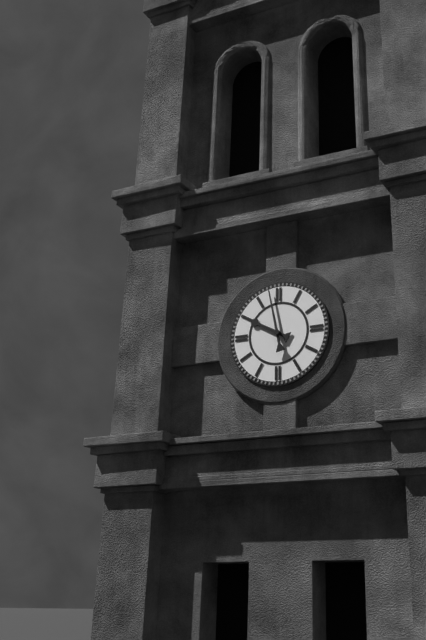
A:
9,58
